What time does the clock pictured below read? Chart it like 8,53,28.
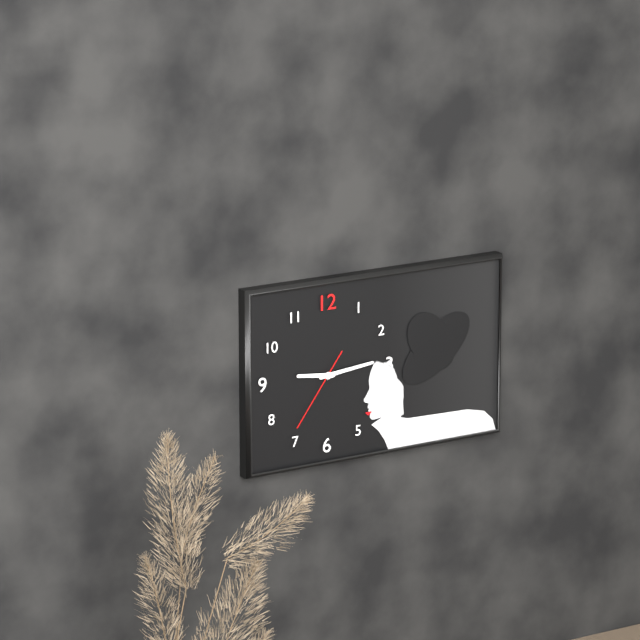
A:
9,14,36
